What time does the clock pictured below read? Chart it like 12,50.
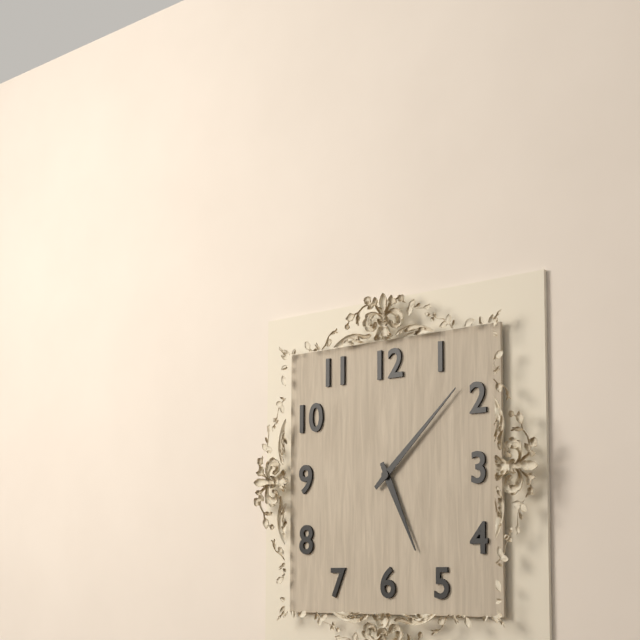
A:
5,08
